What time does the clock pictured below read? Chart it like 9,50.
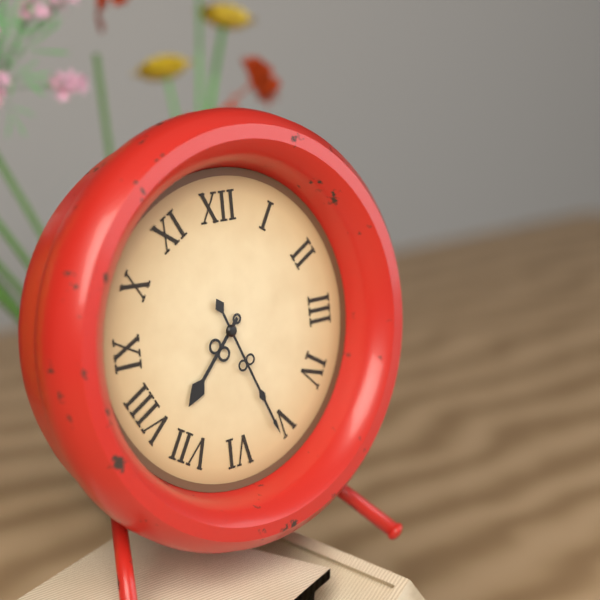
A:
7,26
